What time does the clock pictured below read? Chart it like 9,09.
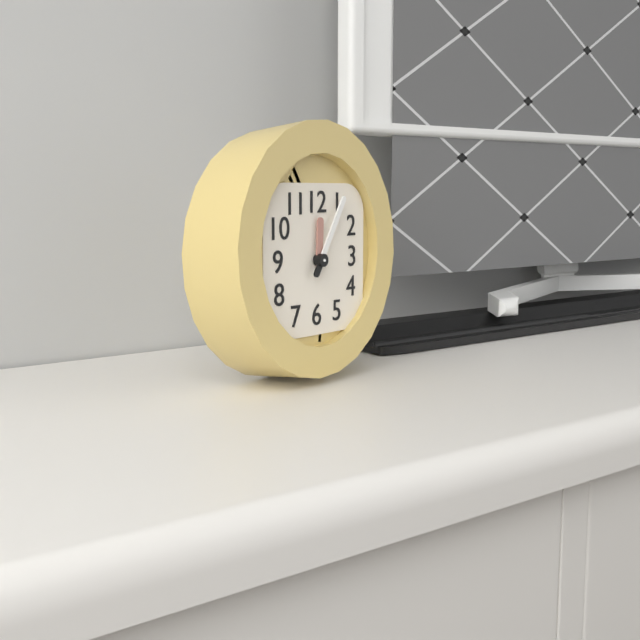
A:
12,05
